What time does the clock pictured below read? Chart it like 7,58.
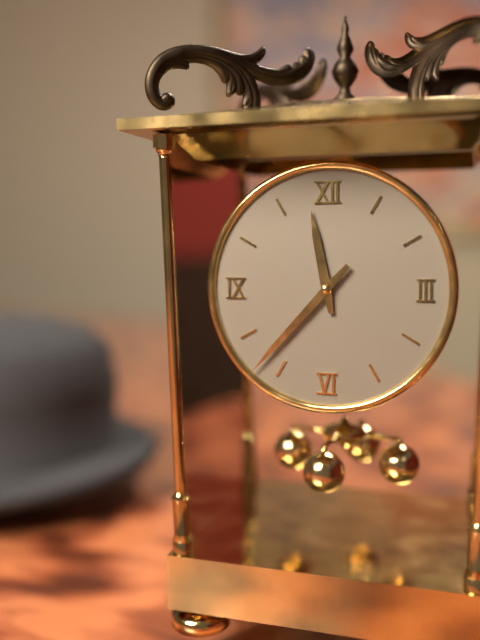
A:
11,37
